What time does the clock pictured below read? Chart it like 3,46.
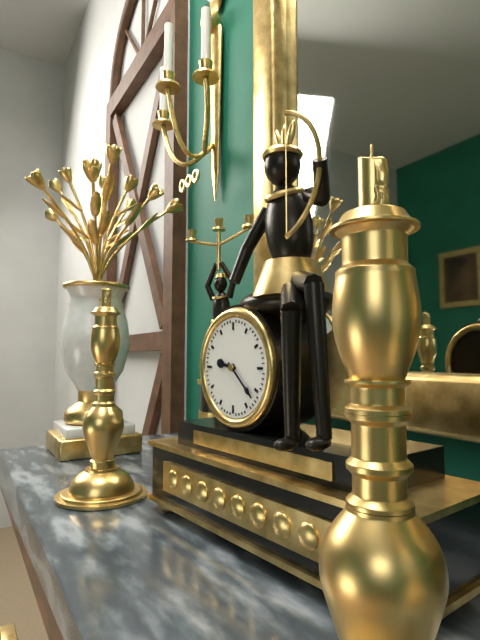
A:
9,22
